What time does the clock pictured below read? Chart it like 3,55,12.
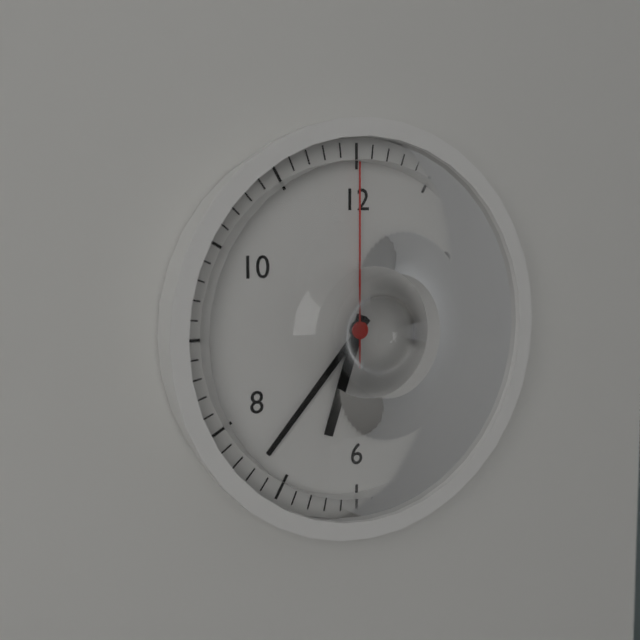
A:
6,37,00
